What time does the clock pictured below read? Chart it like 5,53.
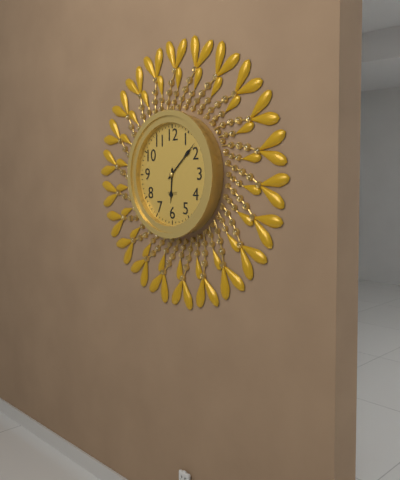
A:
6,08
